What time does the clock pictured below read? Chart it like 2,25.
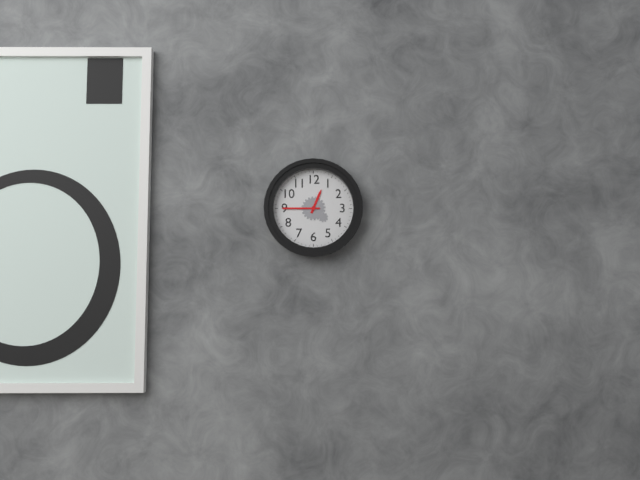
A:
12,45
